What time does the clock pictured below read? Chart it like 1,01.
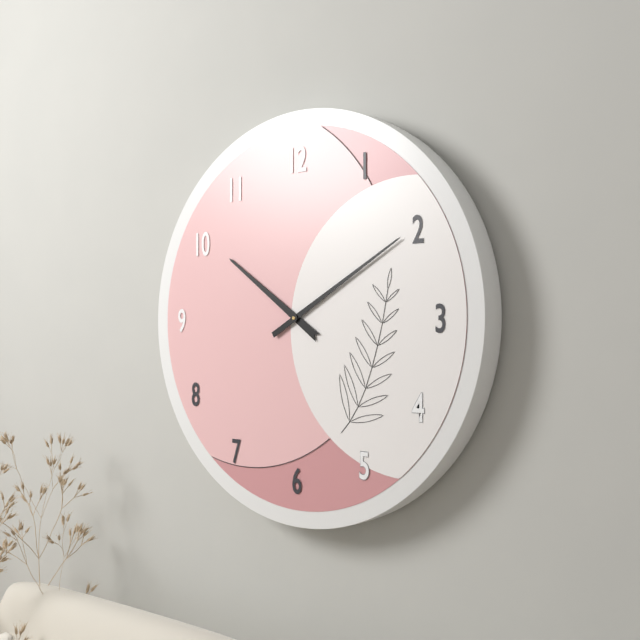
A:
10,10
